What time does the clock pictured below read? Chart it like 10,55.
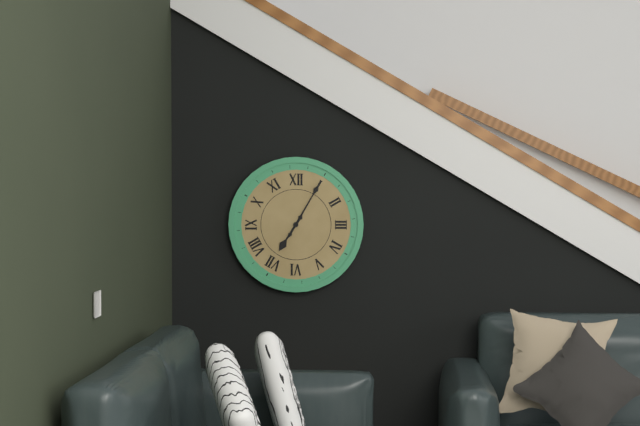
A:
7,05
